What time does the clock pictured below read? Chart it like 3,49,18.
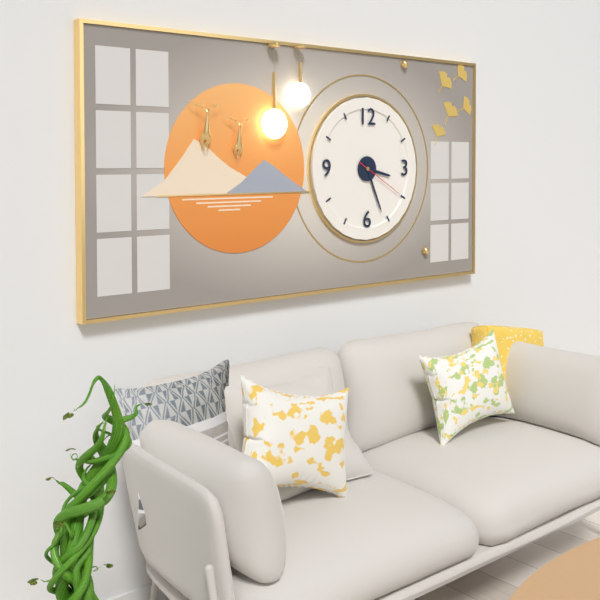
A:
3,26,20
